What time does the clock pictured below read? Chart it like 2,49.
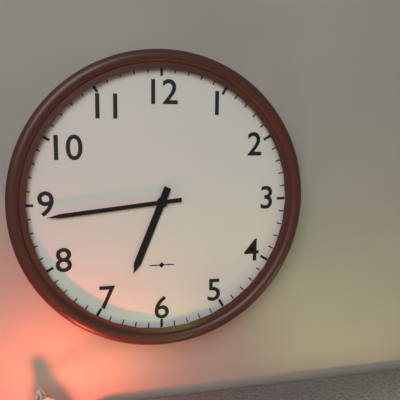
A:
6,44
